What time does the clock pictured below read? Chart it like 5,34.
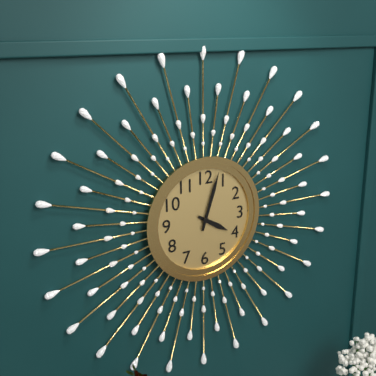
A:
4,03
